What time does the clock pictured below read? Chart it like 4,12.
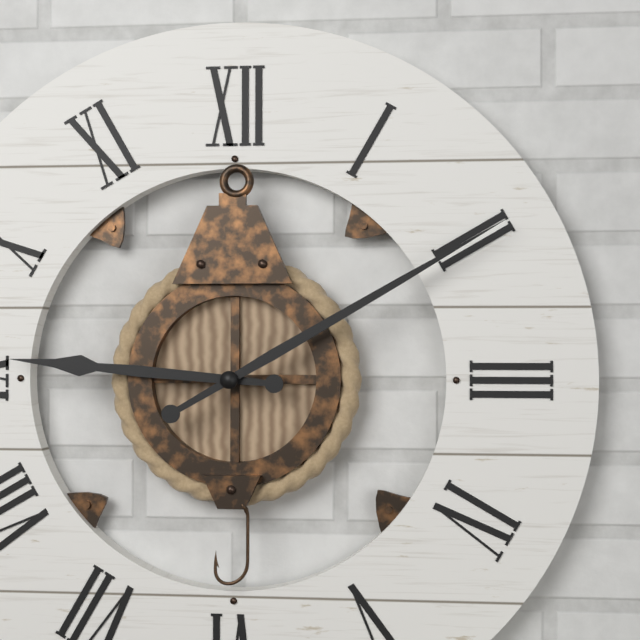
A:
9,10
